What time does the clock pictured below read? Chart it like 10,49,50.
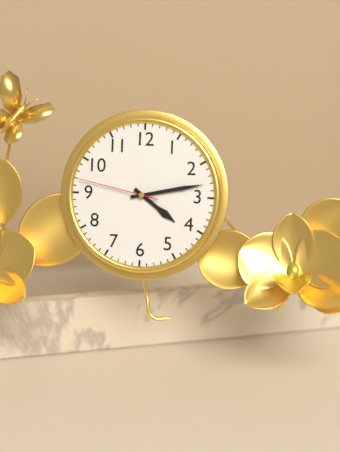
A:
4,13,47
